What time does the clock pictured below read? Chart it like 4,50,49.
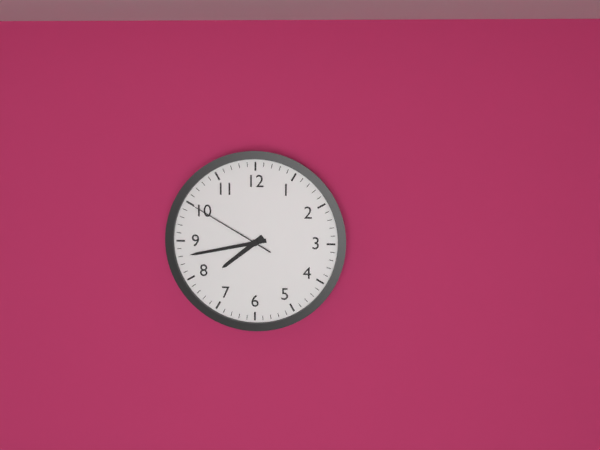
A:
7,43,50
